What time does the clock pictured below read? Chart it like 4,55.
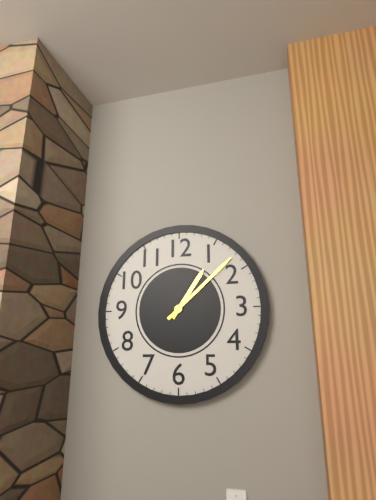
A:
1,08
